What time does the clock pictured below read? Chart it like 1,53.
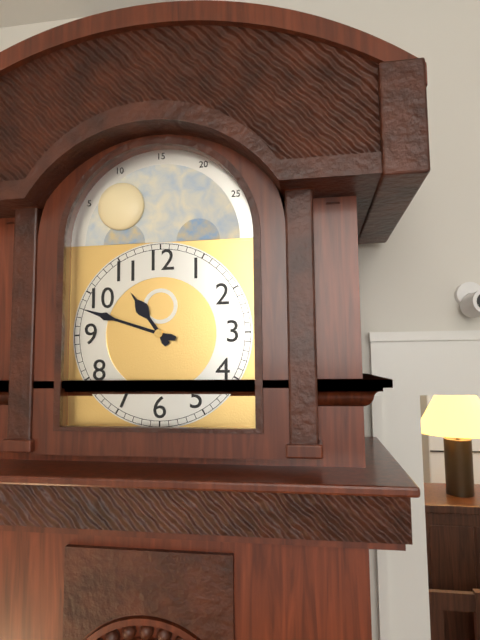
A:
10,48
